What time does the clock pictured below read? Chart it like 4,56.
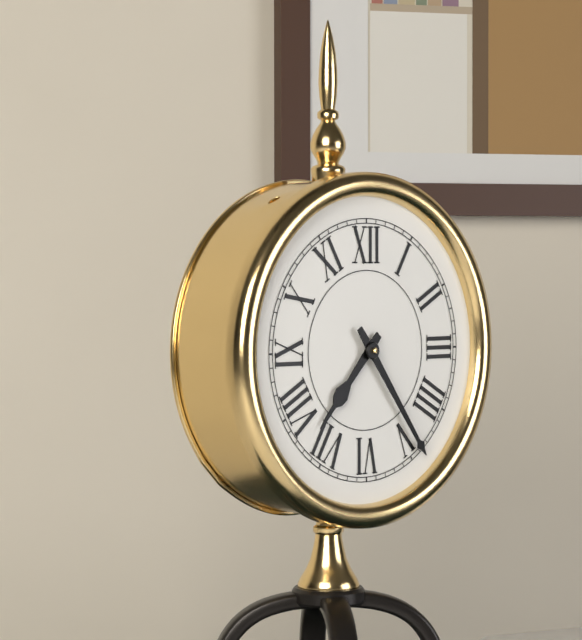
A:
7,24
